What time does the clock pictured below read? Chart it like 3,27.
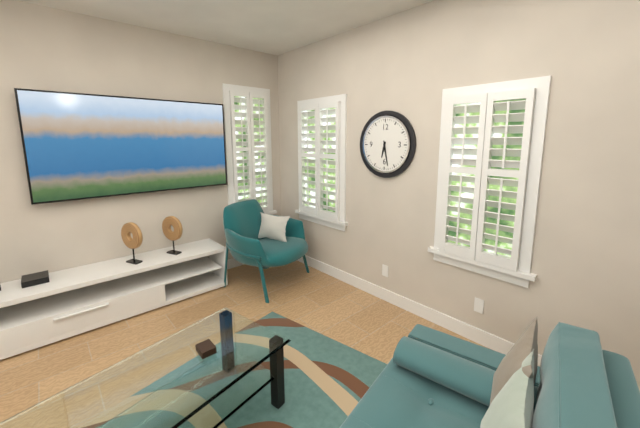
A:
6,28
